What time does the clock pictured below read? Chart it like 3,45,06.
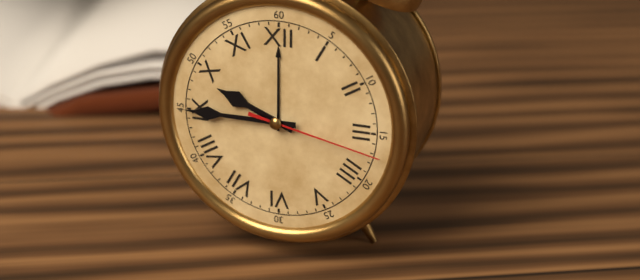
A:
9,45,17
